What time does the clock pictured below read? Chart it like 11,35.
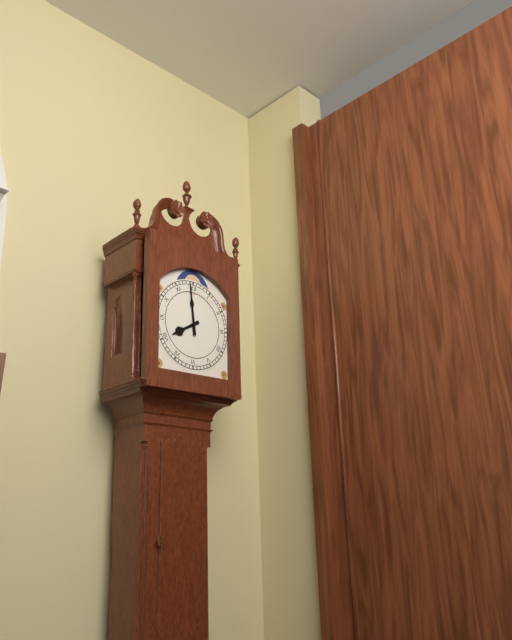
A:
7,59
